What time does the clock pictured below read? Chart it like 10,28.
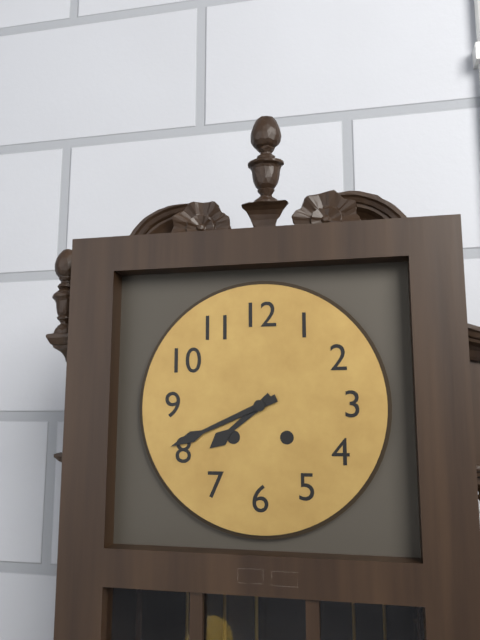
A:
7,41
